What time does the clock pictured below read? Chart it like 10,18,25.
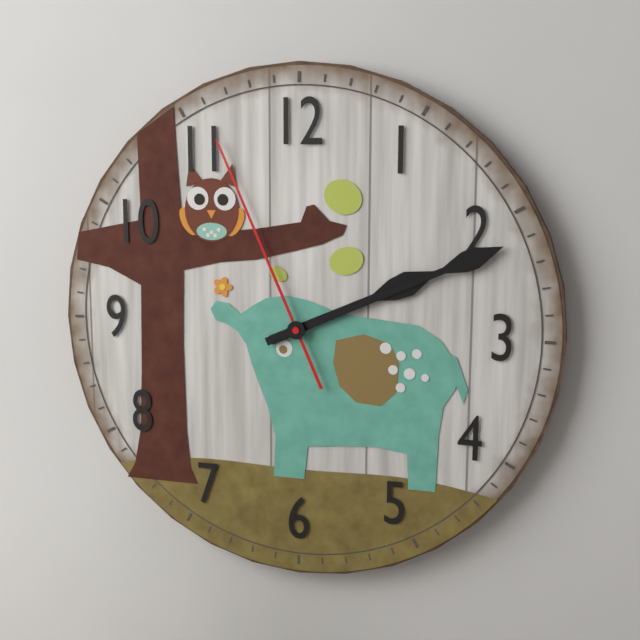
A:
2,11,56
